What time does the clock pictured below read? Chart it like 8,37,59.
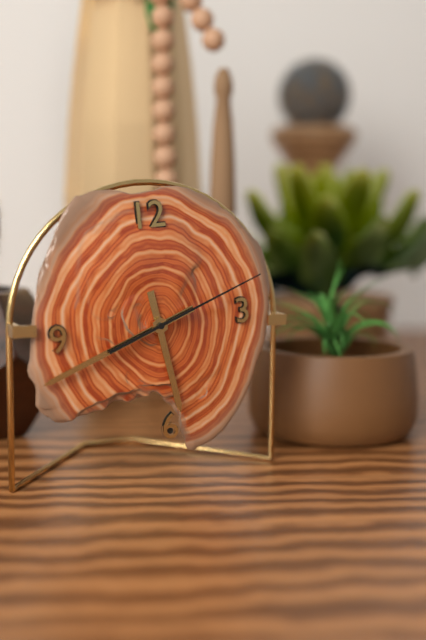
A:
5,42,12
